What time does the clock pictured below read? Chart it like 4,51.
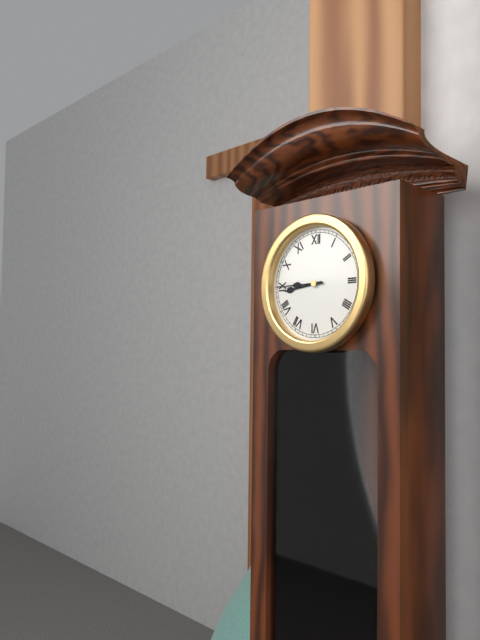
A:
8,45
